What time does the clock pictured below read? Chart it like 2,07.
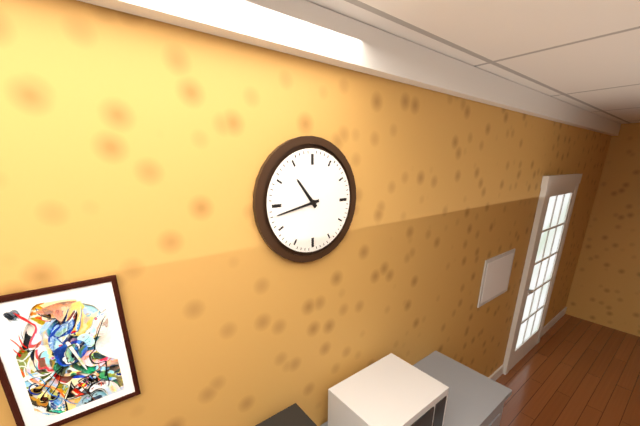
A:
10,43
